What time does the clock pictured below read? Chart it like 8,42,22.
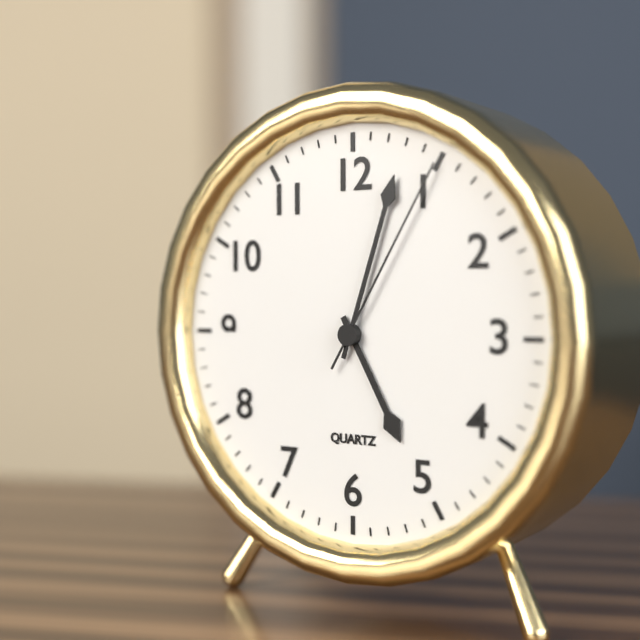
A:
5,03,05
